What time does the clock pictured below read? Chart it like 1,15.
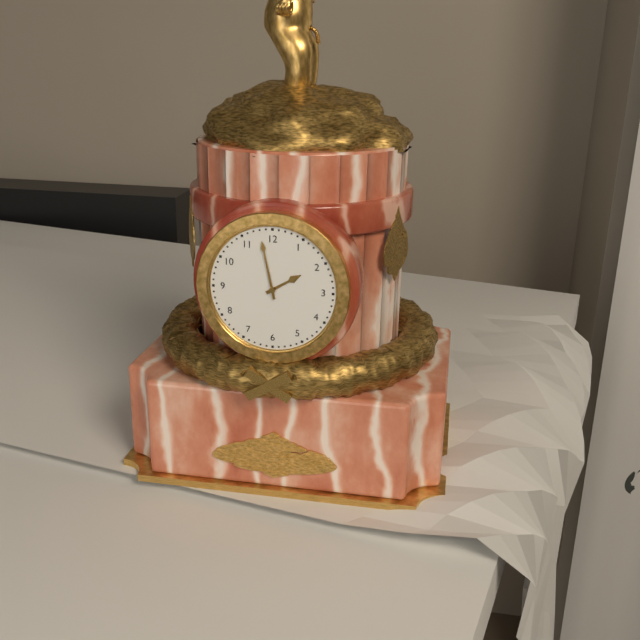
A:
1,58
